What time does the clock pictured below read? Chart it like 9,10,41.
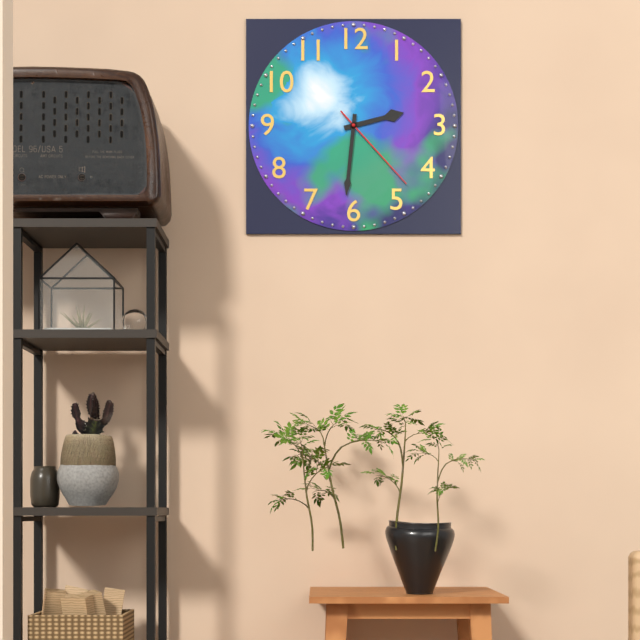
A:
2,31,23
